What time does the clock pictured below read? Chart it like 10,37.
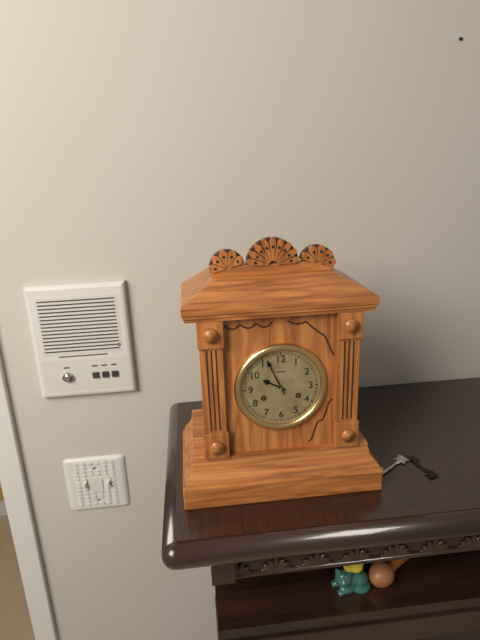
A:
9,56
